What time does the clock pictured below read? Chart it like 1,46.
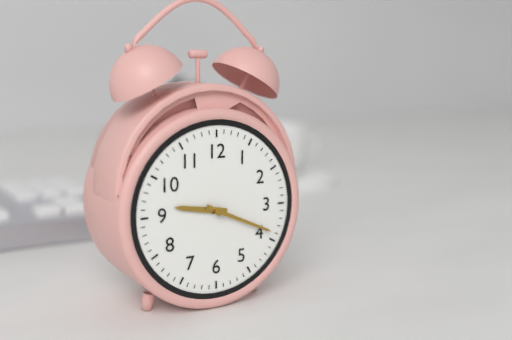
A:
9,19
